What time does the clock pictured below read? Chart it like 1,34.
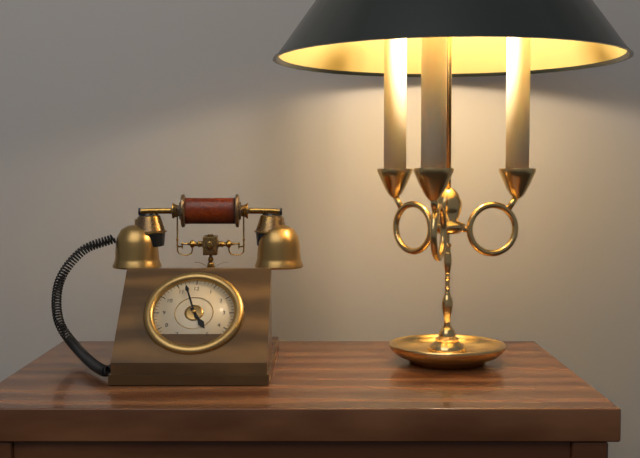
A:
4,57
